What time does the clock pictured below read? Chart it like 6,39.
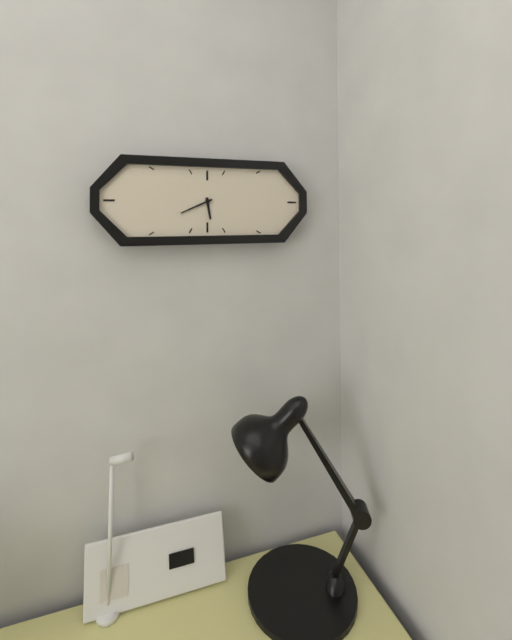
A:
5,41
